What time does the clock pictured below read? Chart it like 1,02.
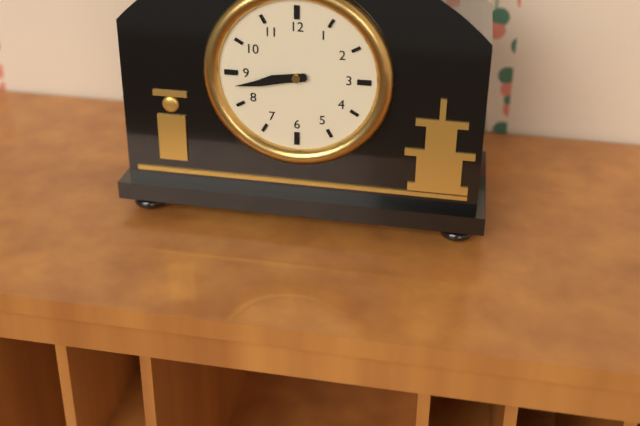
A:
8,43
